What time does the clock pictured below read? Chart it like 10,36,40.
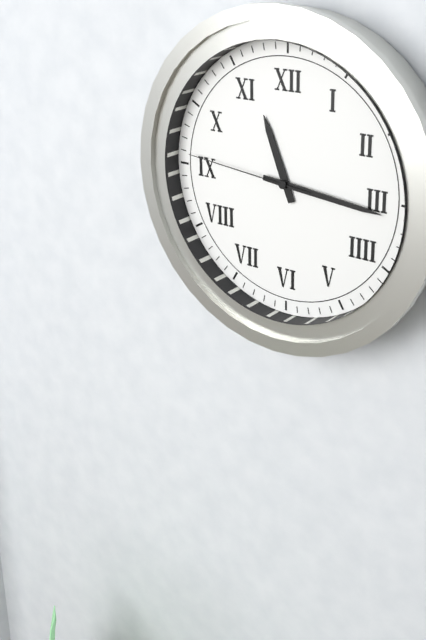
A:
11,16,46
